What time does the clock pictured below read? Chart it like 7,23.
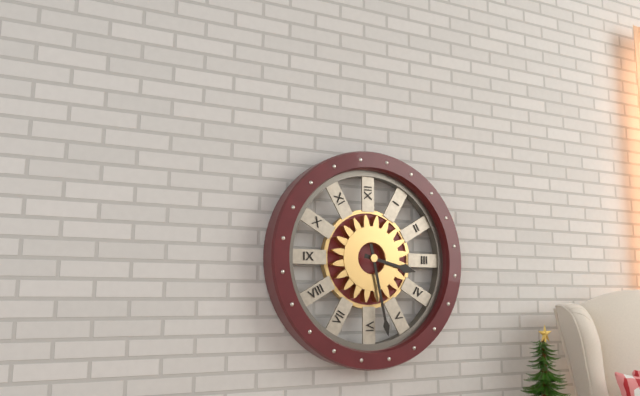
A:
3,28
